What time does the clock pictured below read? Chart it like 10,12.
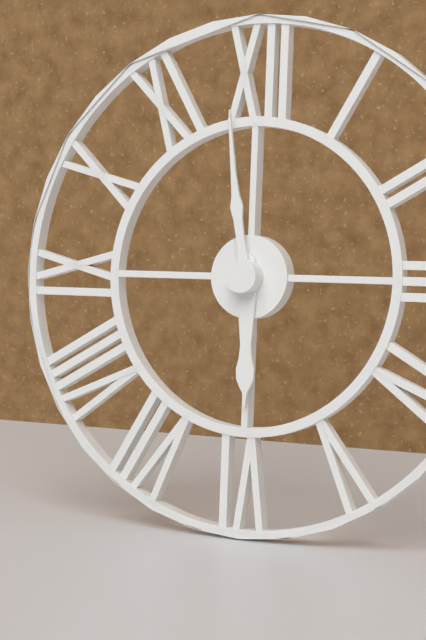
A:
5,58
